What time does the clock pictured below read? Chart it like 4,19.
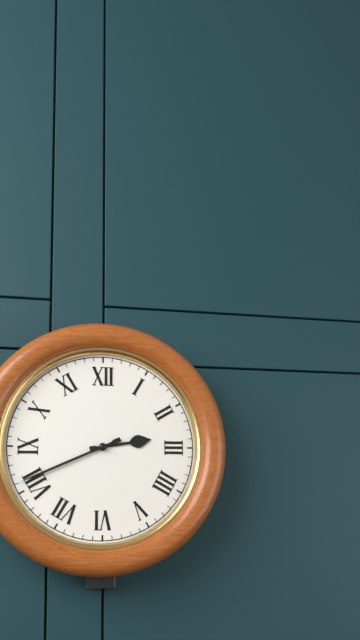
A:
2,41
